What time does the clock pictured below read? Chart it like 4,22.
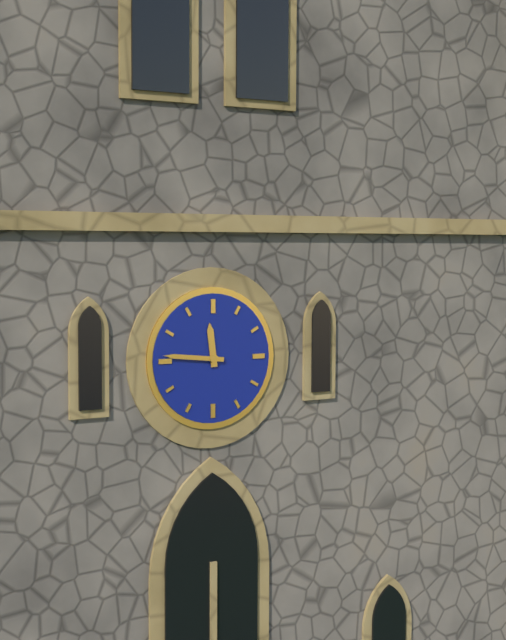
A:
11,46
